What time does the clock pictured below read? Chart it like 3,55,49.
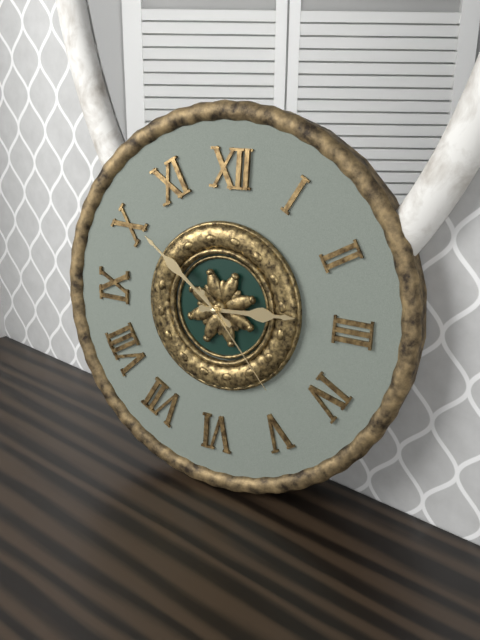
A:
2,51,23
